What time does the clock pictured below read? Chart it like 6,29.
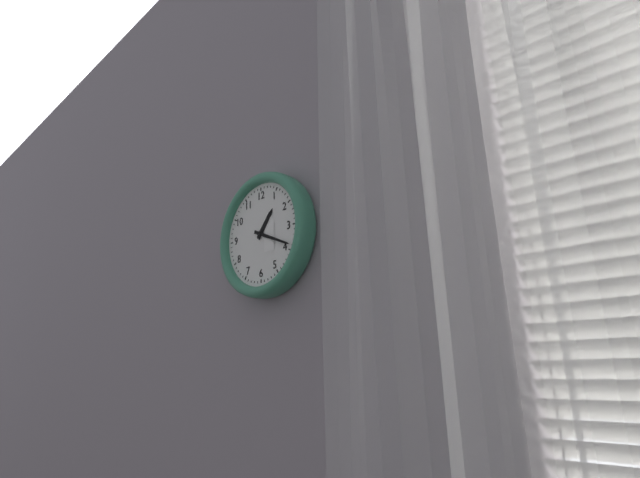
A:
1,19
